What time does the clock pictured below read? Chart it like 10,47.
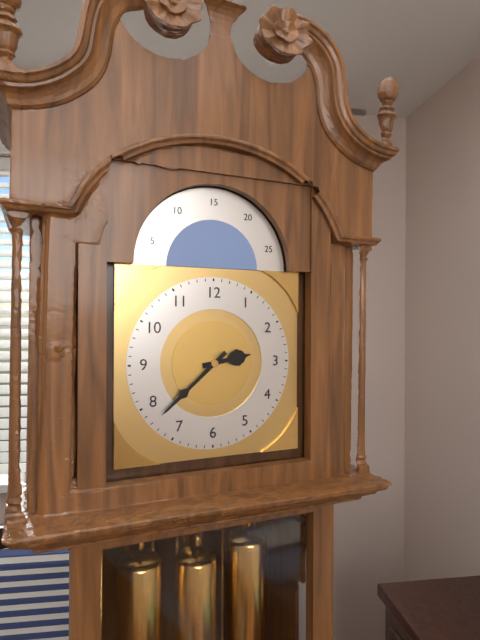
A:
2,38
